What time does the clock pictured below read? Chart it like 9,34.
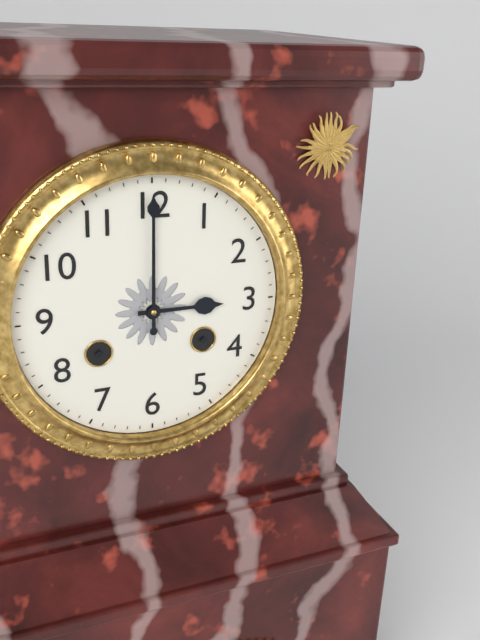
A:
3,00
